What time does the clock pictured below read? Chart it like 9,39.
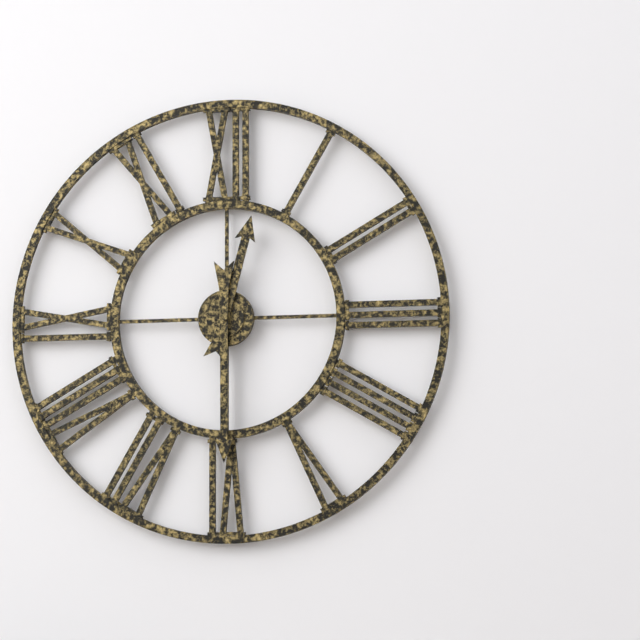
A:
12,30
